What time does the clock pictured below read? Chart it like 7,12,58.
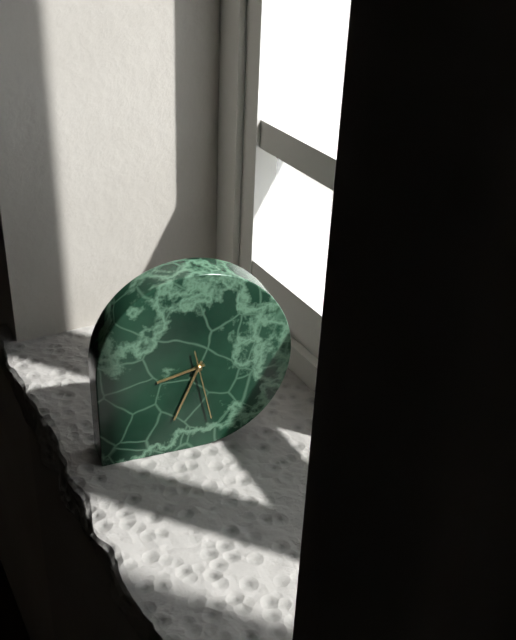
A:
8,34,28
